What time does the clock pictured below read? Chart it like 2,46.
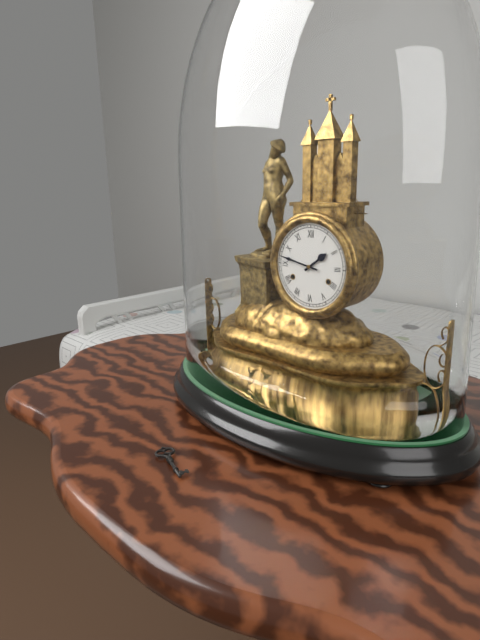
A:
1,47
